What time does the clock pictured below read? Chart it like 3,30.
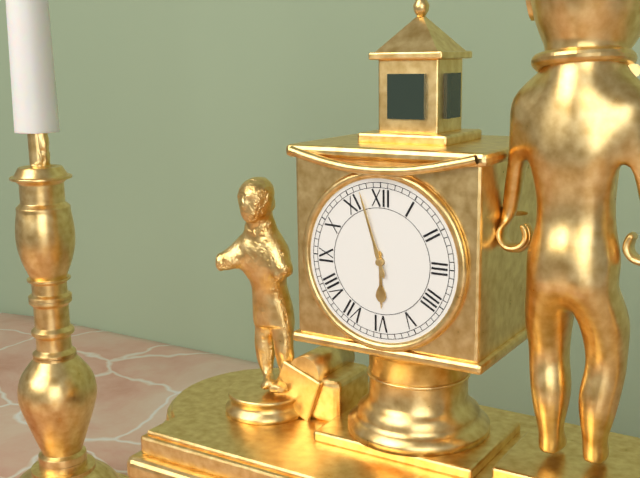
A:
5,57
